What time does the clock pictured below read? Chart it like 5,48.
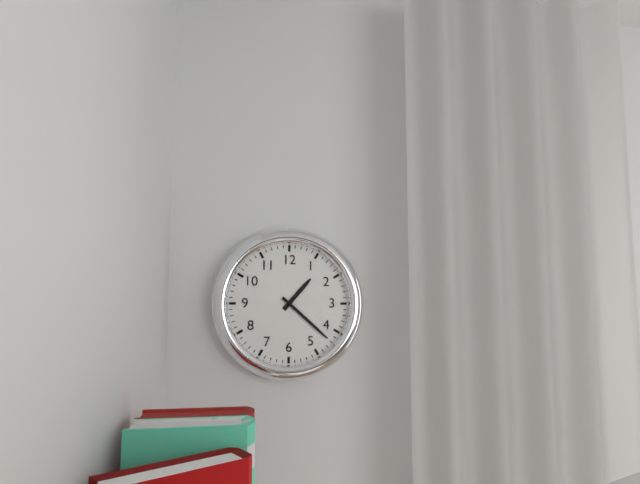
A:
1,22
